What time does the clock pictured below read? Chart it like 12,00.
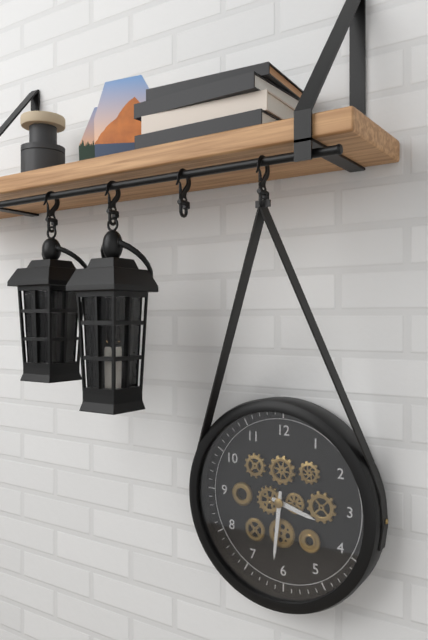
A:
3,31
